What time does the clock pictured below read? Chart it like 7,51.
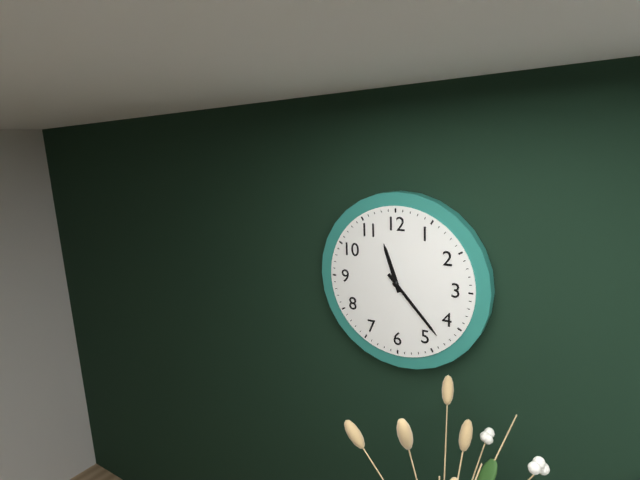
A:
11,23
